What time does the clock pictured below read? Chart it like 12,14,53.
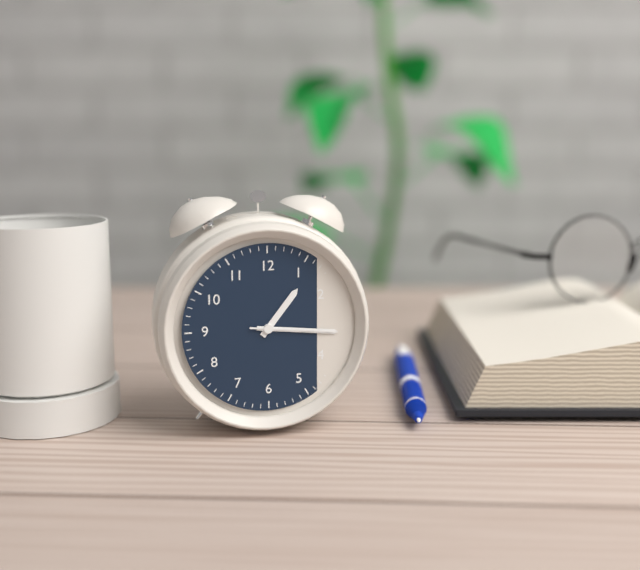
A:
1,16,16
